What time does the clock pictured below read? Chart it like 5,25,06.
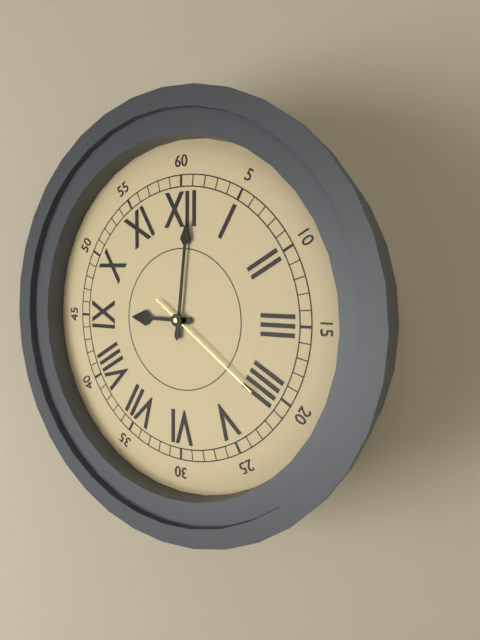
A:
9,01,21
